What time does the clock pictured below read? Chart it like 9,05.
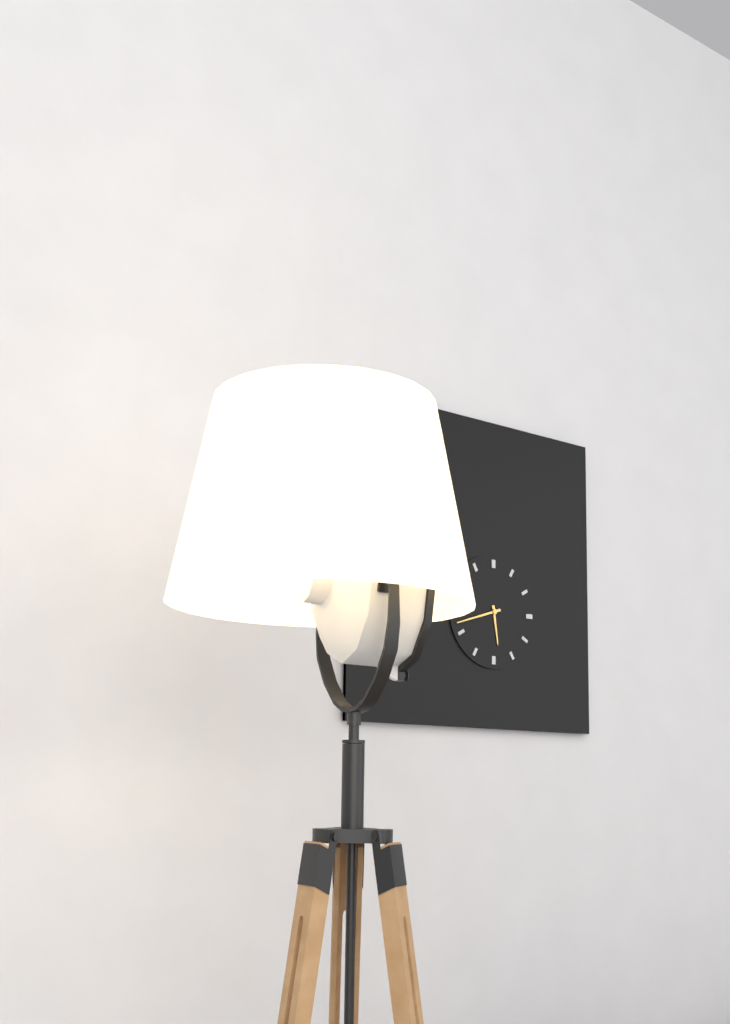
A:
5,42
